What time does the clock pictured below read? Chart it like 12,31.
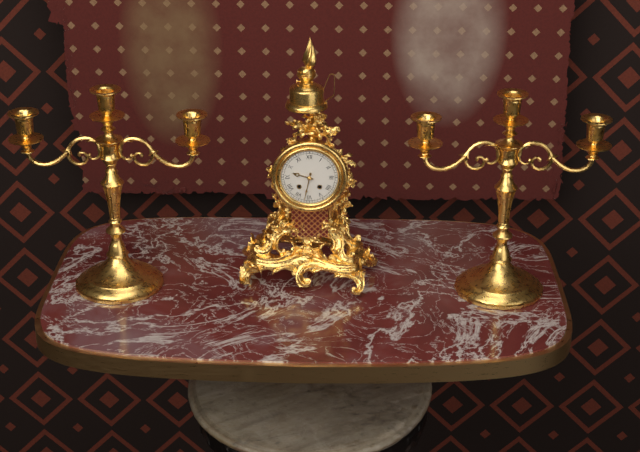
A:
9,32
